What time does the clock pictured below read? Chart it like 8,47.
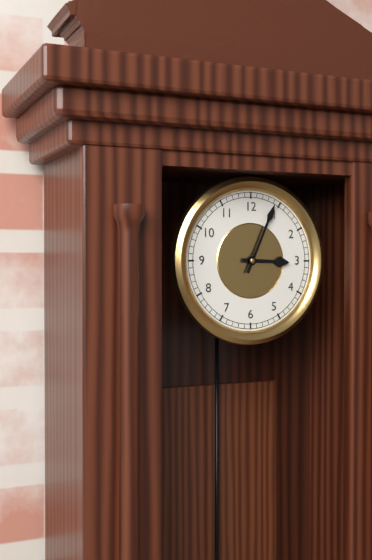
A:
3,04
